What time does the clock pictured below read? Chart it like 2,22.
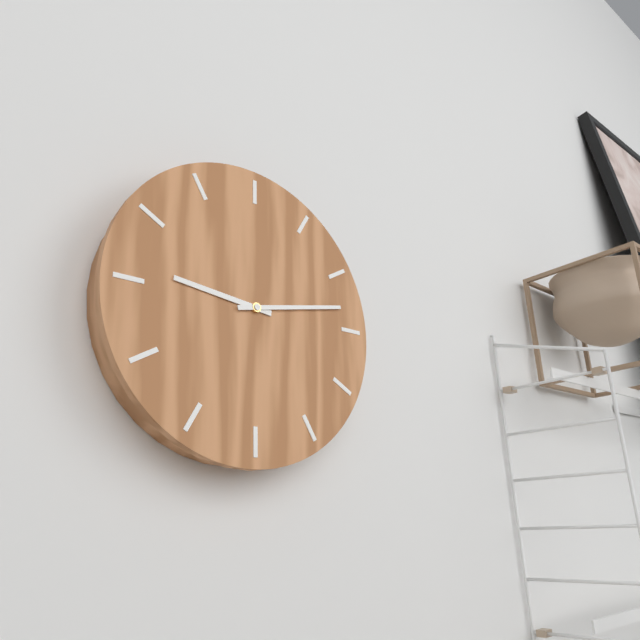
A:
9,13
